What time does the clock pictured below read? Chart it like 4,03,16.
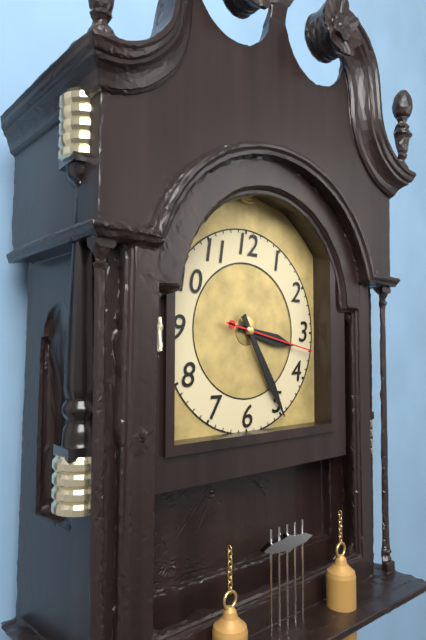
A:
3,25,17
